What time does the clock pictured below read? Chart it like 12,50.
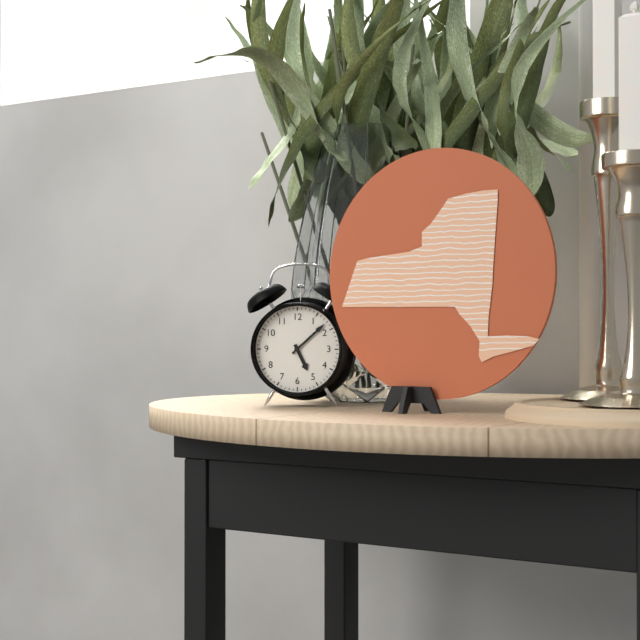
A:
5,08
